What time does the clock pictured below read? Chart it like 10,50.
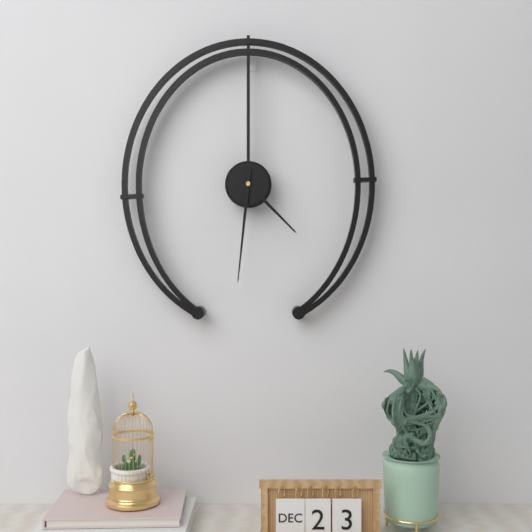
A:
4,31
